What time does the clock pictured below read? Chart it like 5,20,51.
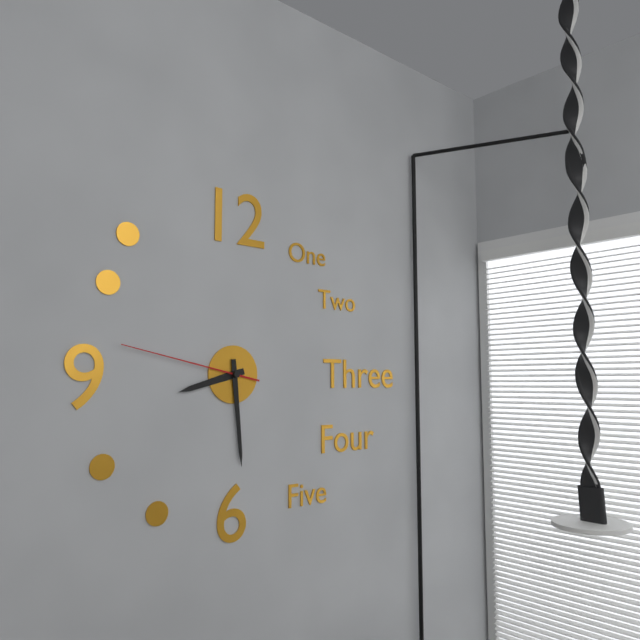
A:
8,29,47
